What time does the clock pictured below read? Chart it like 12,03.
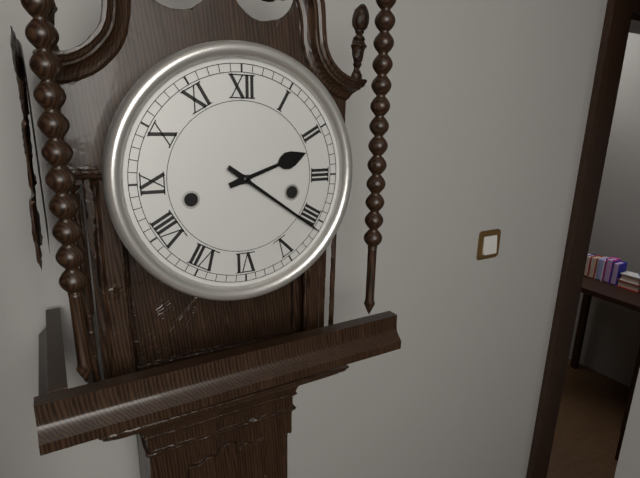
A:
2,21
